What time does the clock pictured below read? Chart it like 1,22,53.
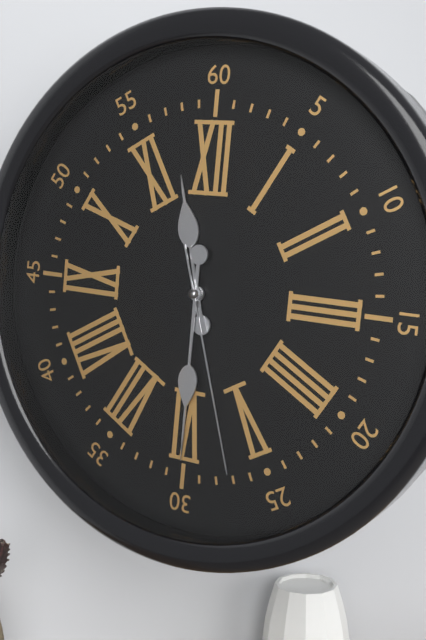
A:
11,30,27
